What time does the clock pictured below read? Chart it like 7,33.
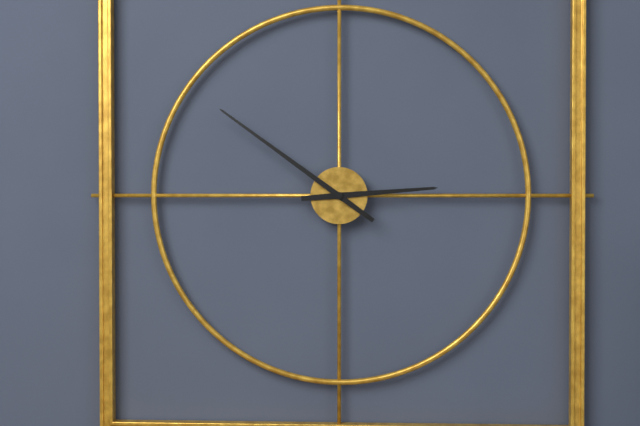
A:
2,51
